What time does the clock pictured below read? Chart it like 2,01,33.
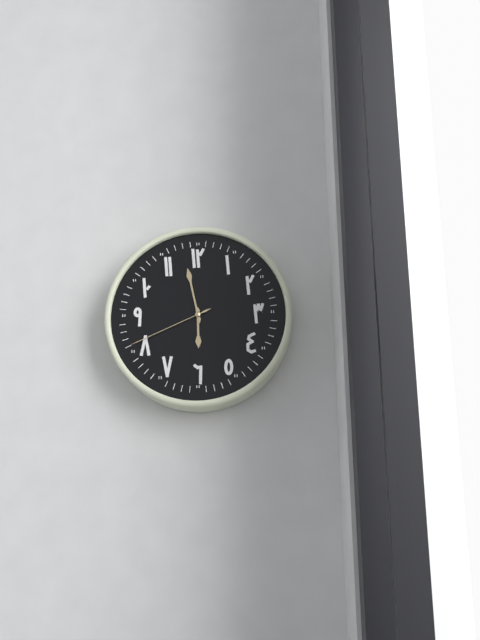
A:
5,58,41
